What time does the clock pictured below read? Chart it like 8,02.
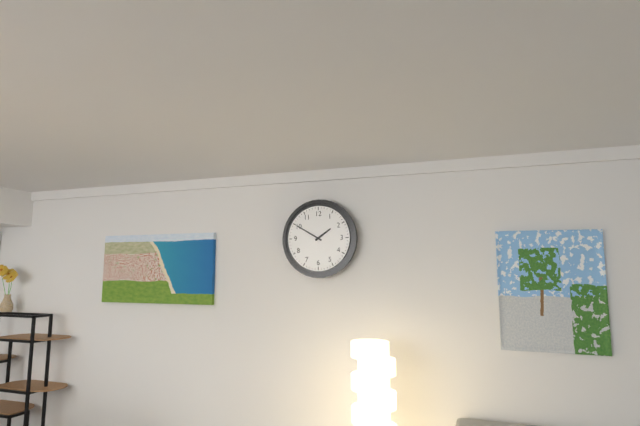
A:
1,50
